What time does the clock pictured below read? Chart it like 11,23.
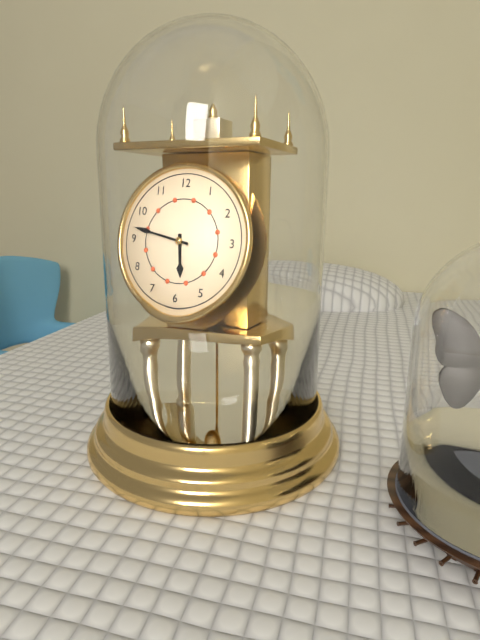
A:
5,47
